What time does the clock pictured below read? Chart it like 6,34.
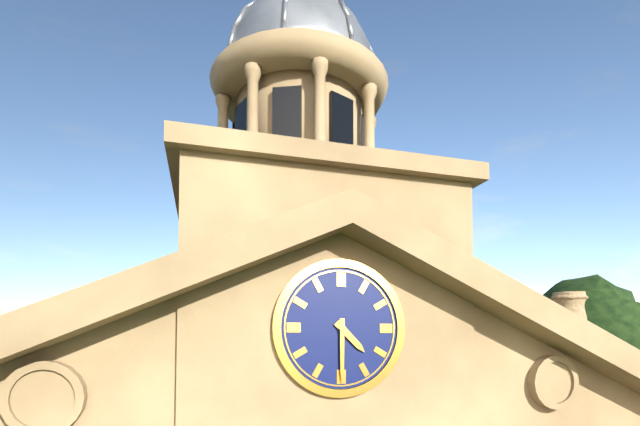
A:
4,30
